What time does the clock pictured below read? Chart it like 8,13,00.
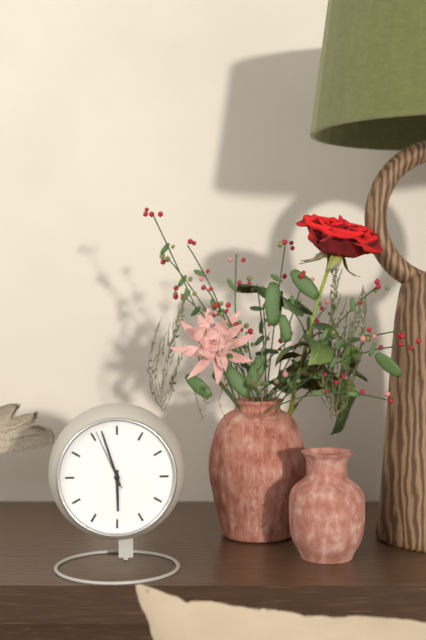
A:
5,57,56
